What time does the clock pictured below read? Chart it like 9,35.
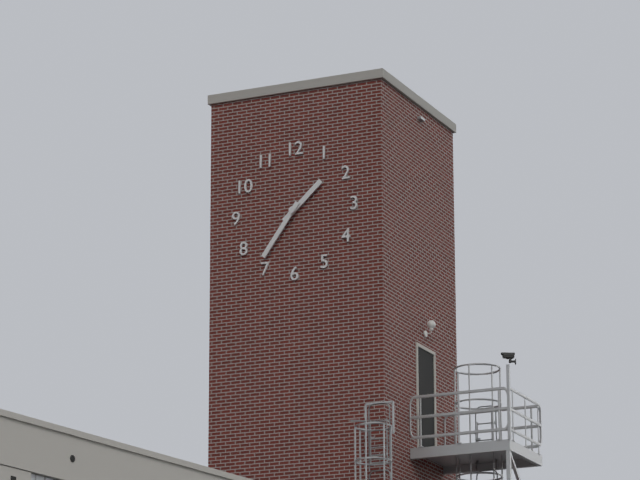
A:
1,36
